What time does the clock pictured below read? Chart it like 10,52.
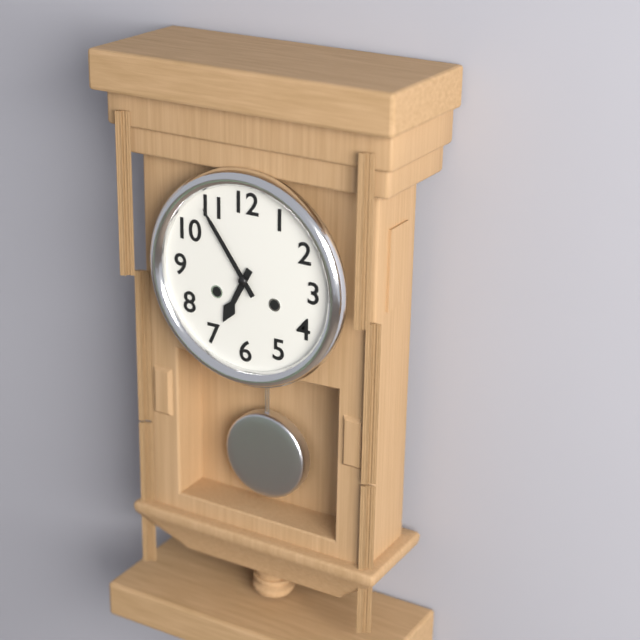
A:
6,54
